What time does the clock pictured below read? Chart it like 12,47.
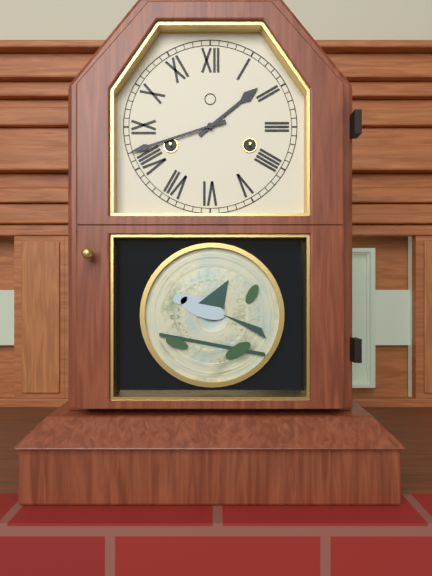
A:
1,42
